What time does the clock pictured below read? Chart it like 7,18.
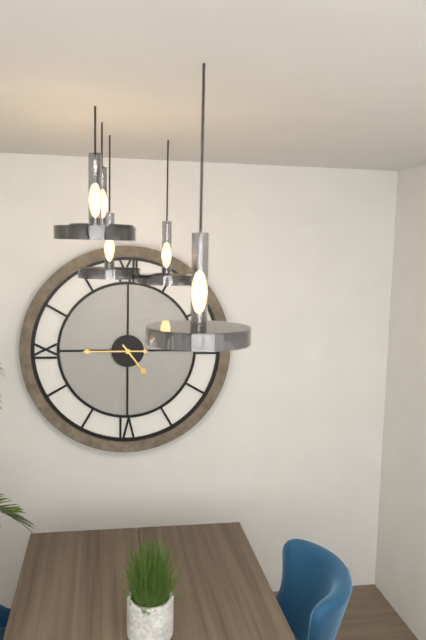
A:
4,45
